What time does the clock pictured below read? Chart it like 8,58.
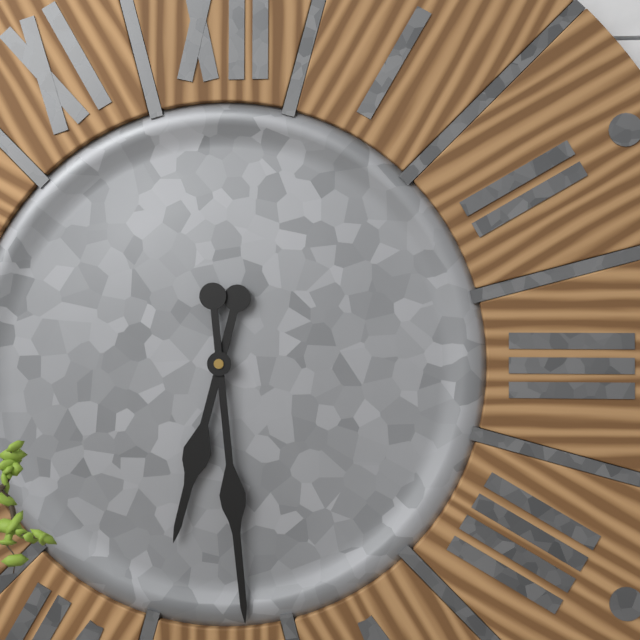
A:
6,29
